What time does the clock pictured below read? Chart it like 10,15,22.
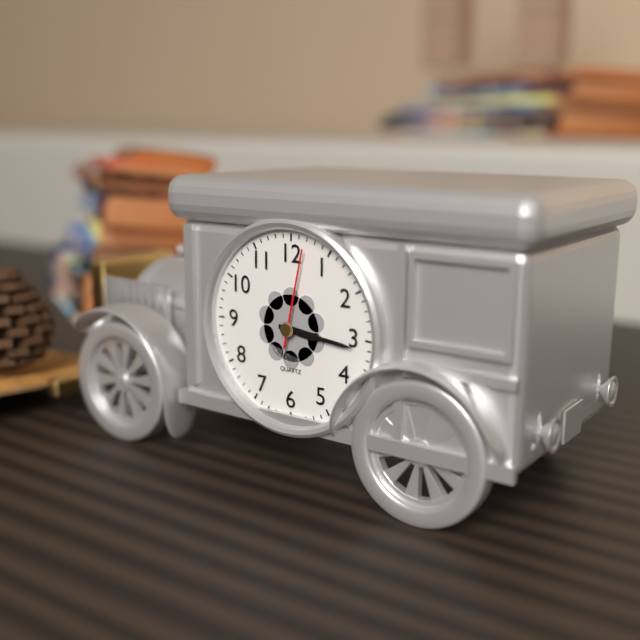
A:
3,16,02
